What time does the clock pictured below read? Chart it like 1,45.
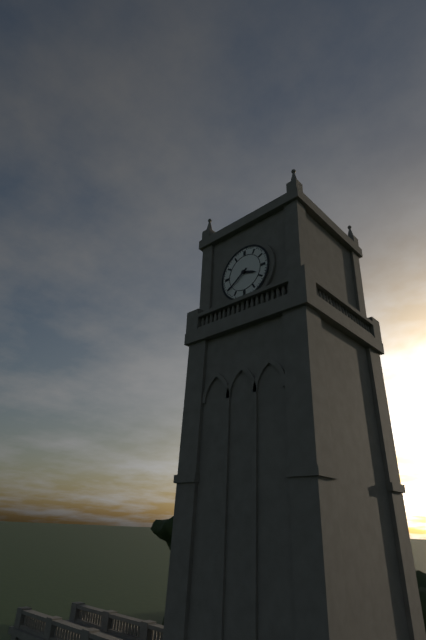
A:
3,39
